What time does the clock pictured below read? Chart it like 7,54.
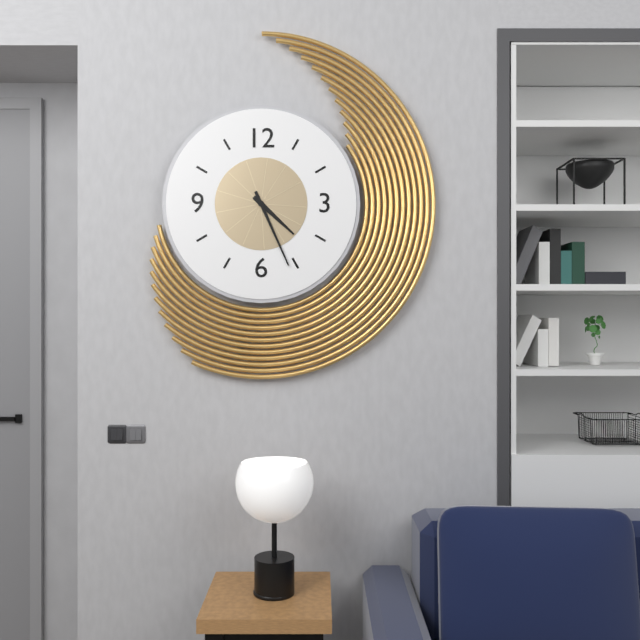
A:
4,26
